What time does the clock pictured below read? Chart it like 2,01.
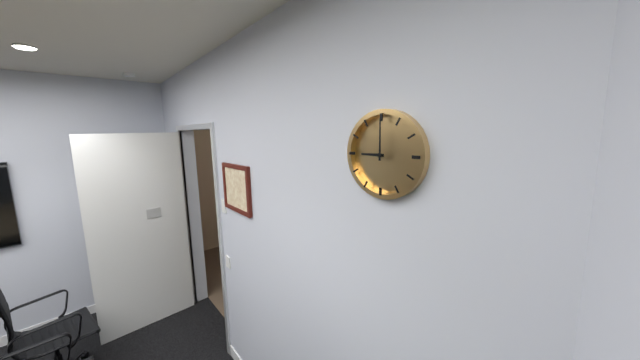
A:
9,00
